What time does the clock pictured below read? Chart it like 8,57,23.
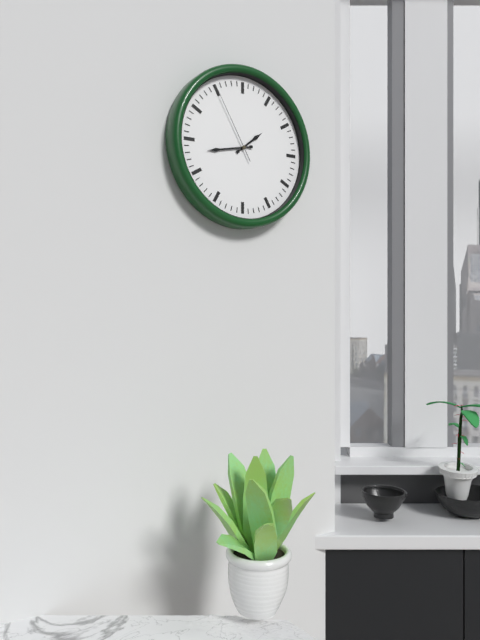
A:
1,43,55
